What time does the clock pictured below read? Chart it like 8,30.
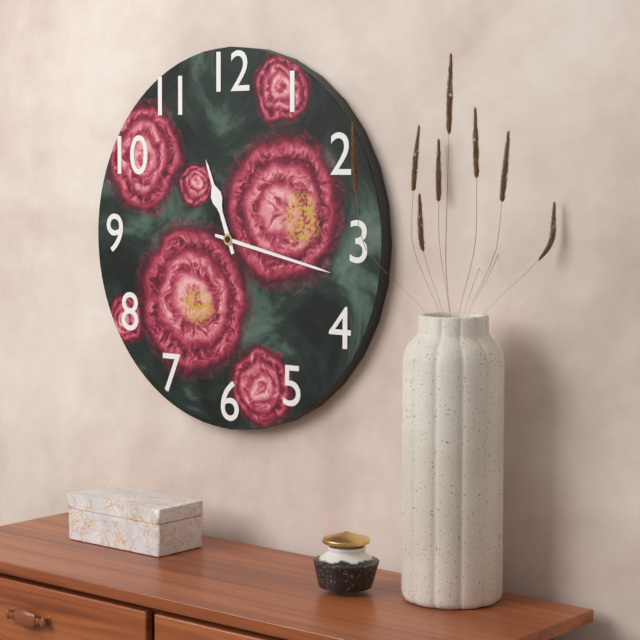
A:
11,17
